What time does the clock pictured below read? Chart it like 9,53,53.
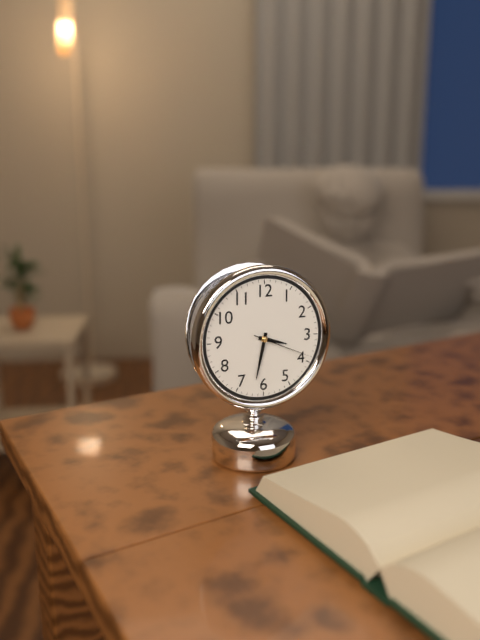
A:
3,32,19
